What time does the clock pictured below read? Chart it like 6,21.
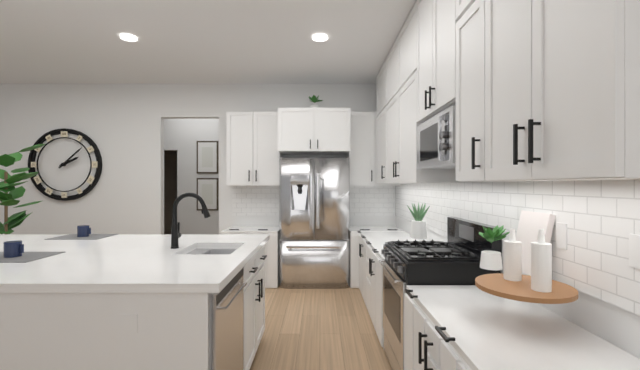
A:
2,08
